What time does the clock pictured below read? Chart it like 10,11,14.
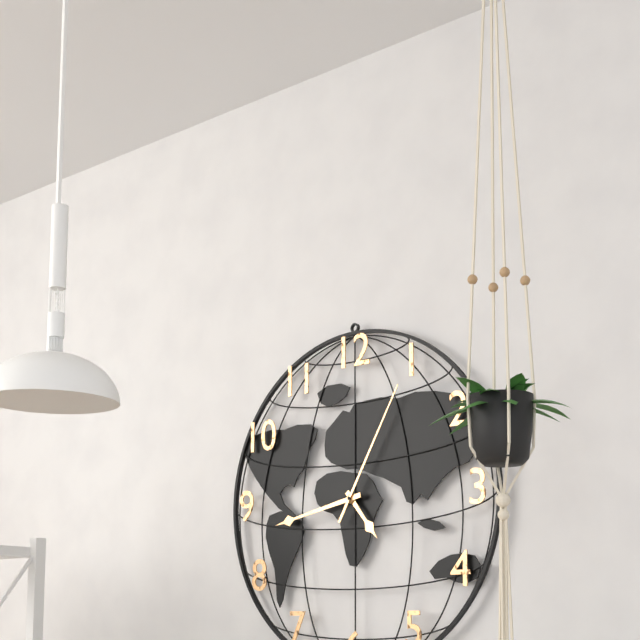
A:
4,43,05
